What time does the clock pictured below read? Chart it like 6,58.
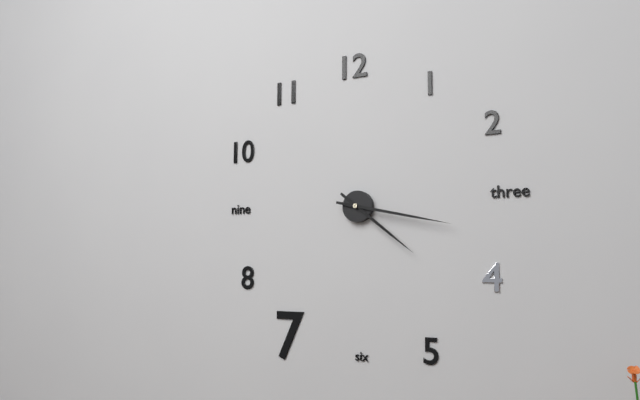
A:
4,17
